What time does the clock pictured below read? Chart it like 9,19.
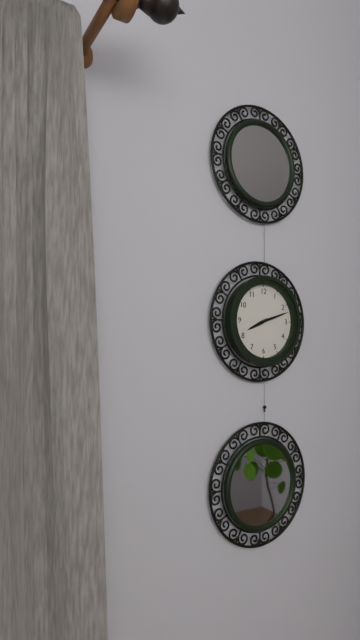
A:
8,12
